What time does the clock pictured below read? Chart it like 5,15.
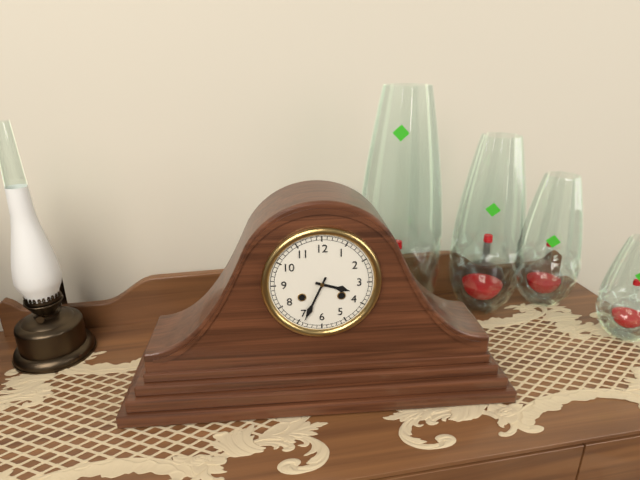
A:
3,34
